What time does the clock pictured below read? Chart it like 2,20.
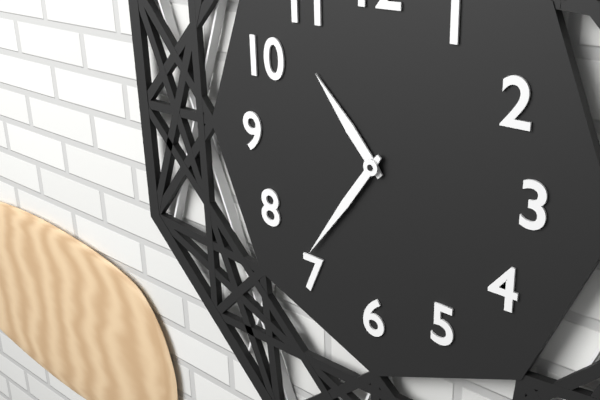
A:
10,36
